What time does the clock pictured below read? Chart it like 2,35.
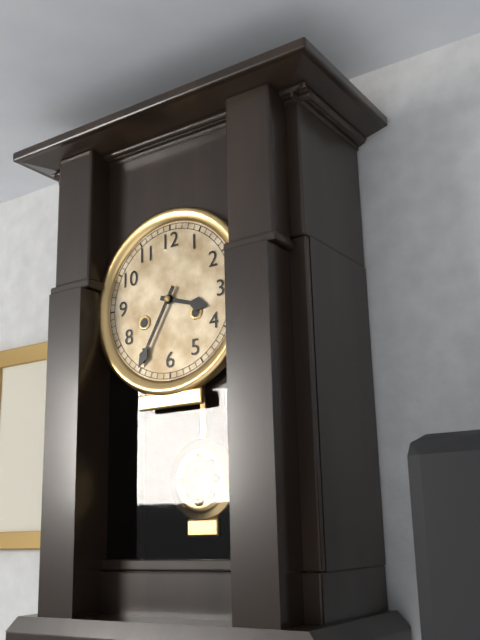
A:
3,35
